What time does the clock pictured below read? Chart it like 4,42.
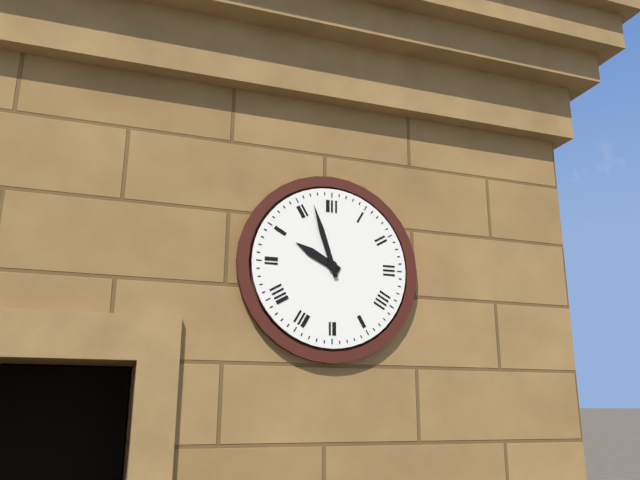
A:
9,57
